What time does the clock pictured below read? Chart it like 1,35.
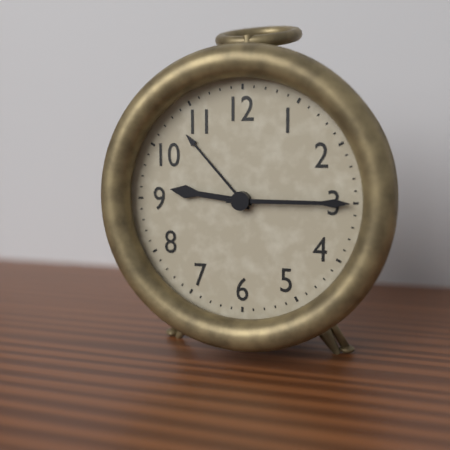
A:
9,15
